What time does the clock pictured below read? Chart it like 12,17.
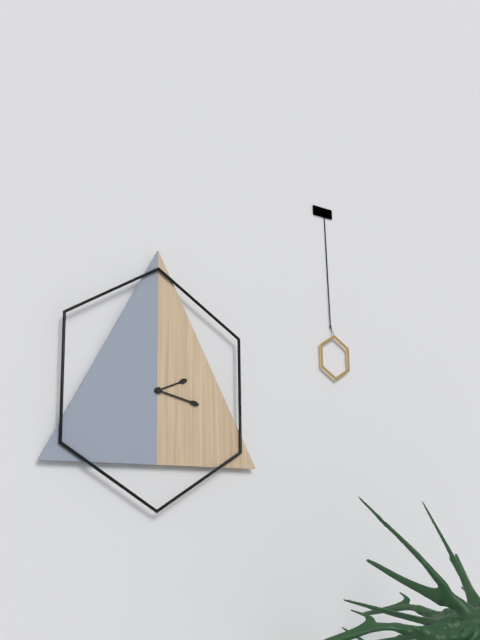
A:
2,17
